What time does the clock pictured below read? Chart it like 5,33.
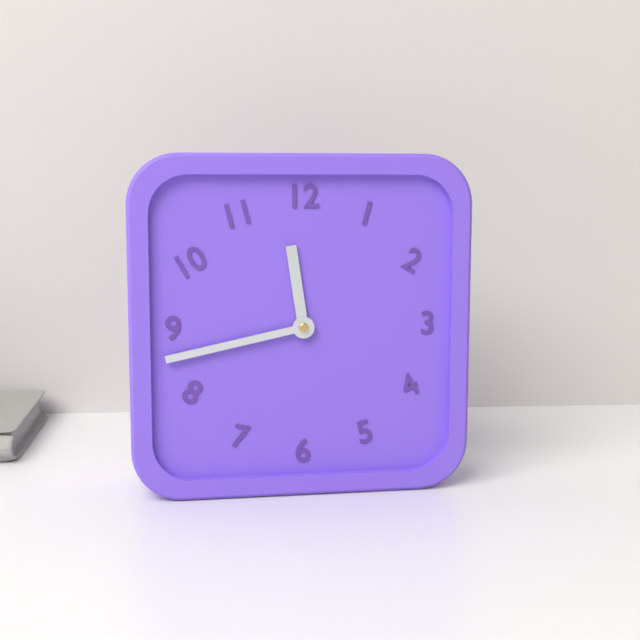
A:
11,43
